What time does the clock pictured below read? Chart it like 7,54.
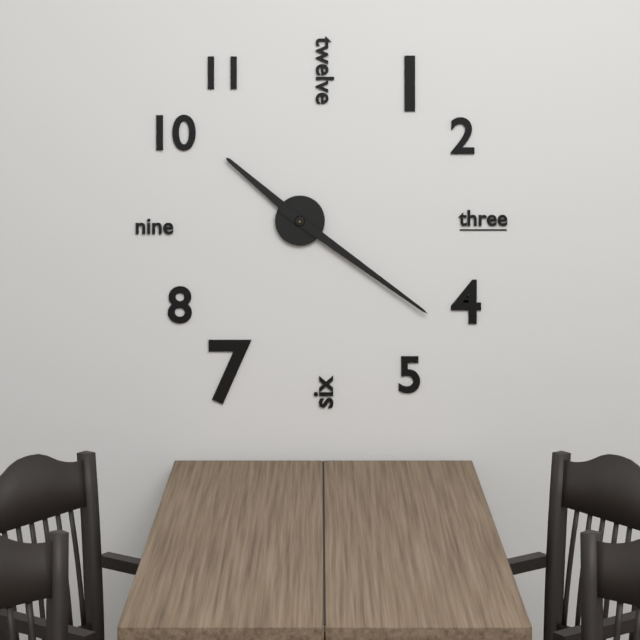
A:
10,21
